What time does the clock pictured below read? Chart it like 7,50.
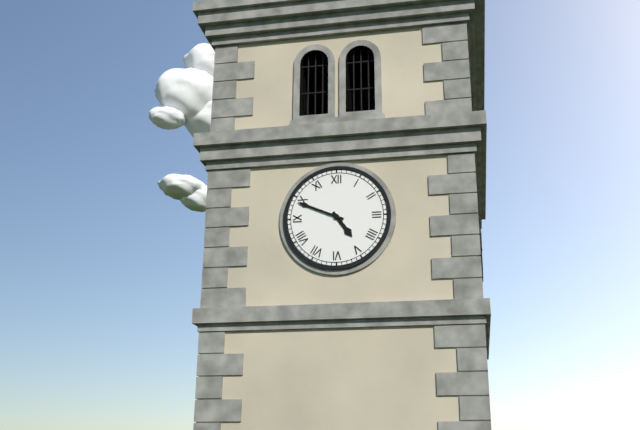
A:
4,49
